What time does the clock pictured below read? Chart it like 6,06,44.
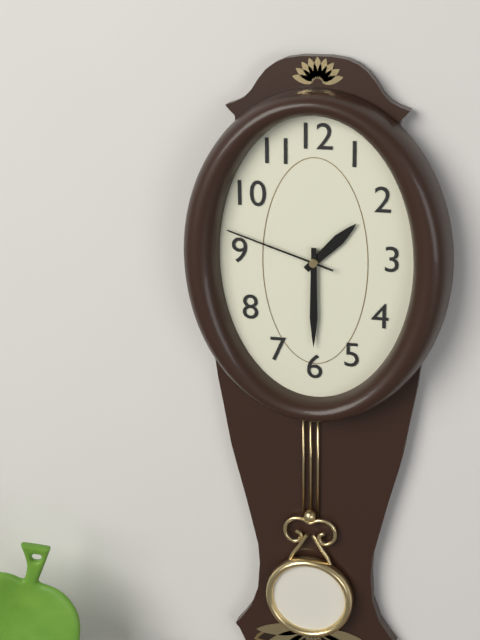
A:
1,30,48
